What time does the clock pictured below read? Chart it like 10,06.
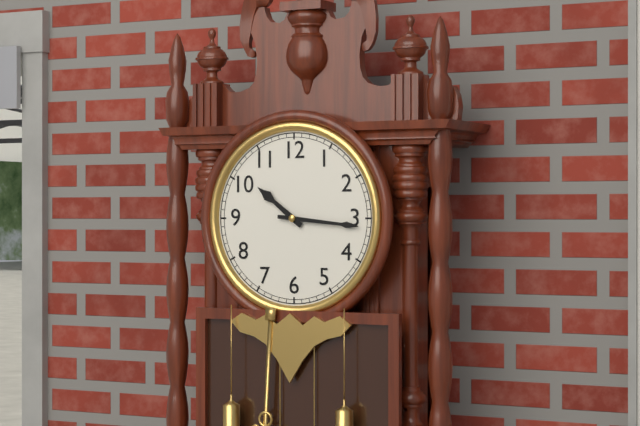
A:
10,16
